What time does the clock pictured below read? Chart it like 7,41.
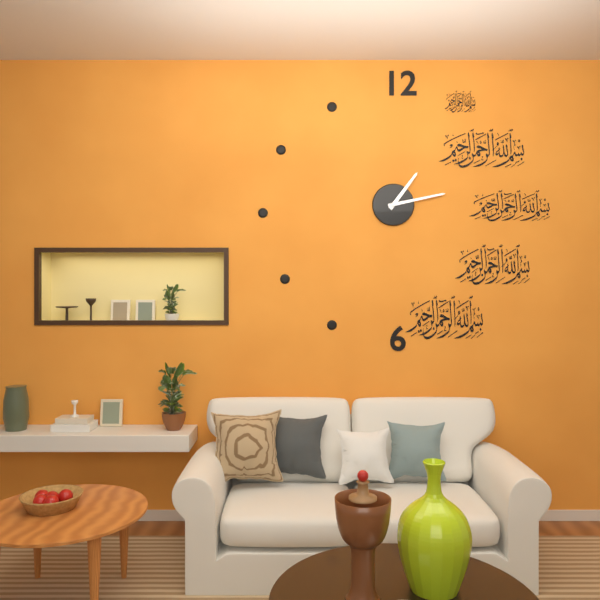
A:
1,13
